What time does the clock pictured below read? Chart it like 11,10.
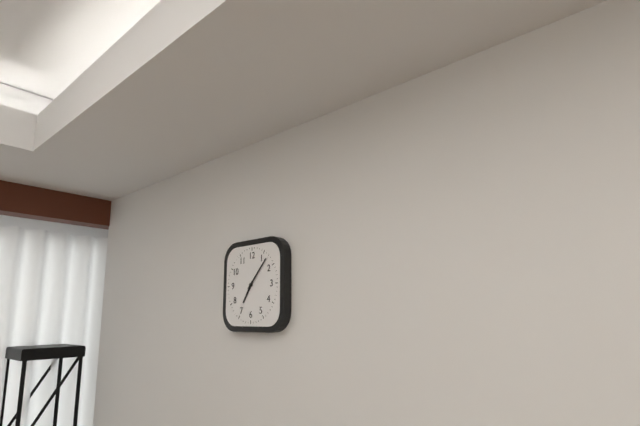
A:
7,07
